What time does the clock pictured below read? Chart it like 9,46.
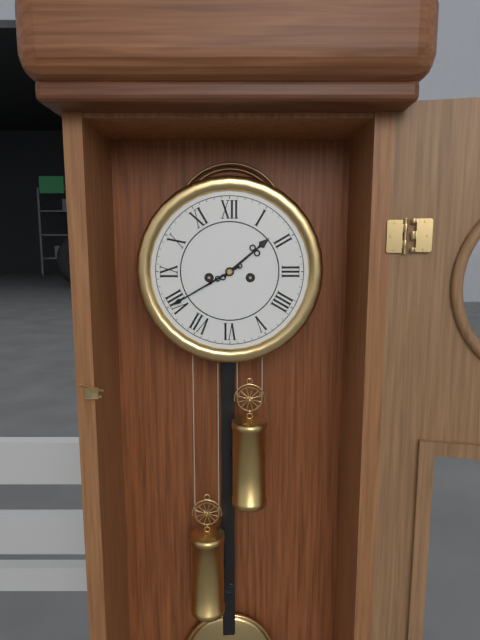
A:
1,40
